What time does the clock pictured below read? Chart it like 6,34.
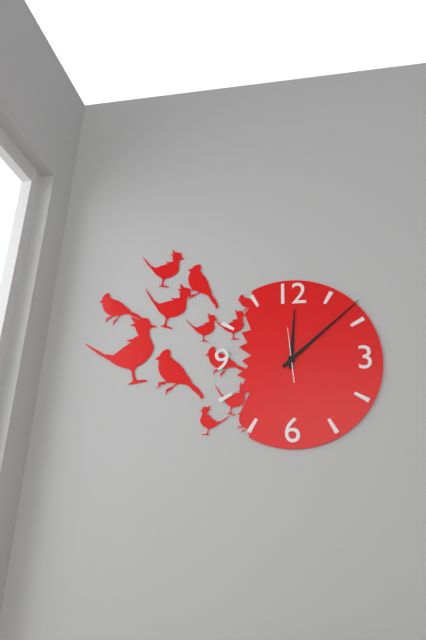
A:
12,08
